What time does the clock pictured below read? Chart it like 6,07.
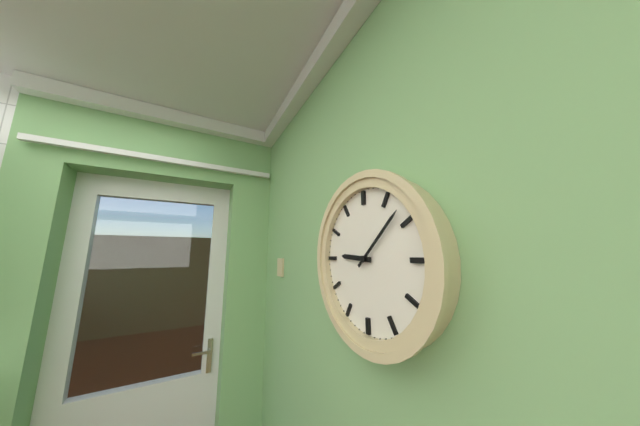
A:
9,08
